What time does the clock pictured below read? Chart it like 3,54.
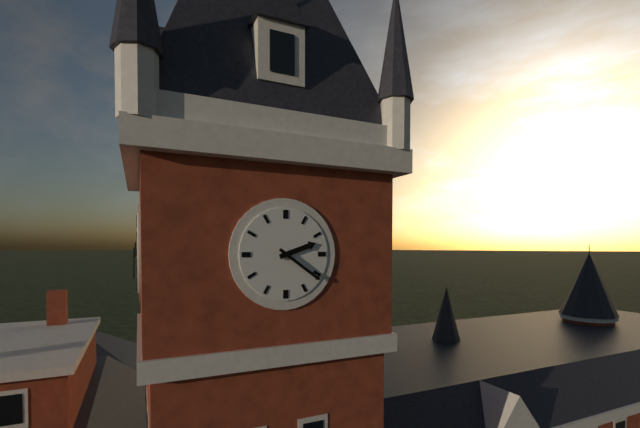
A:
2,21
